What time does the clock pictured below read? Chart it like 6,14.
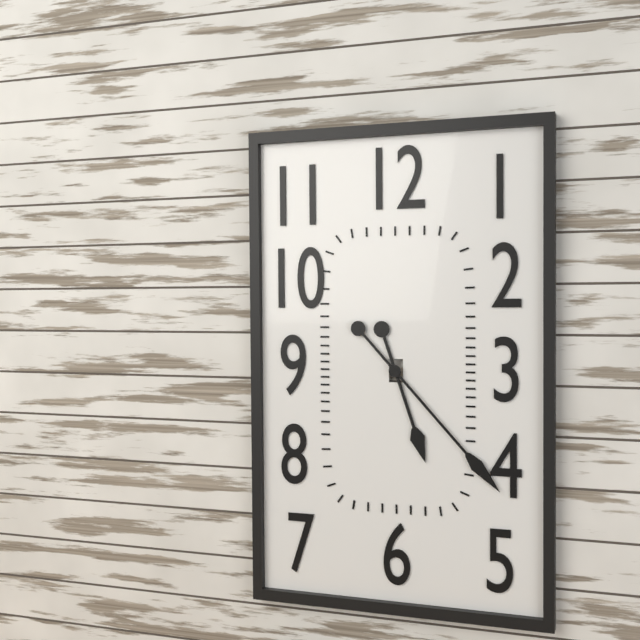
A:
5,23
